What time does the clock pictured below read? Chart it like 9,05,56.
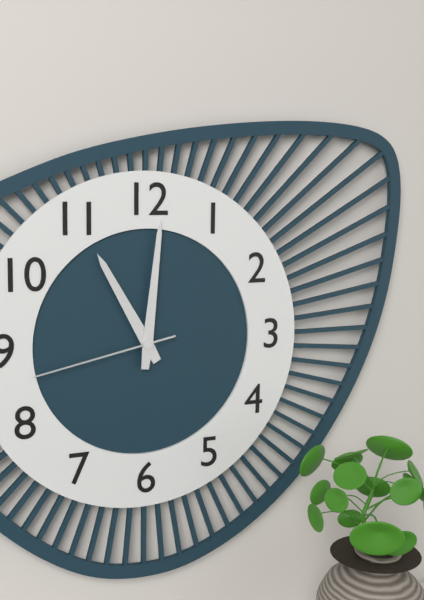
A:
11,01,43
